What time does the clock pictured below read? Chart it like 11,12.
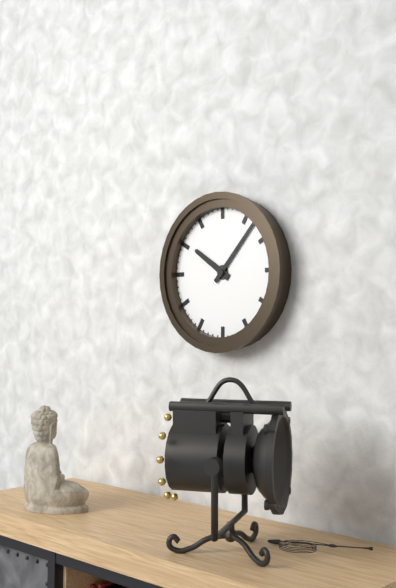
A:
10,07
